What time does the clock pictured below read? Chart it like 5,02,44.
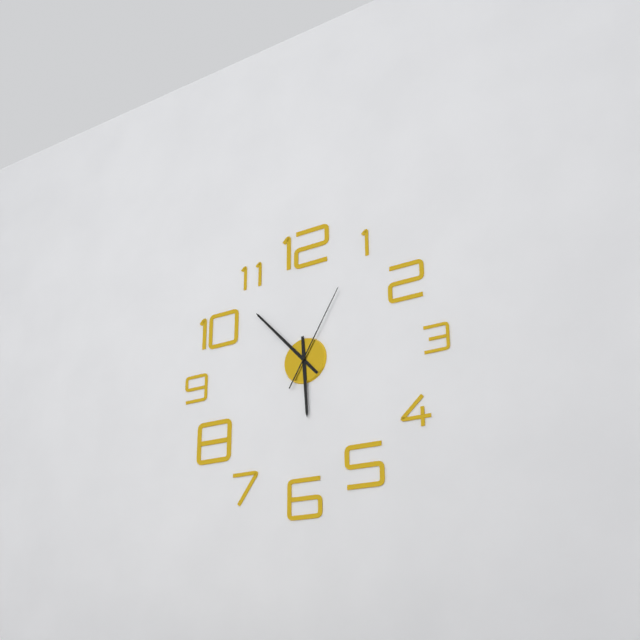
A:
5,53,05
